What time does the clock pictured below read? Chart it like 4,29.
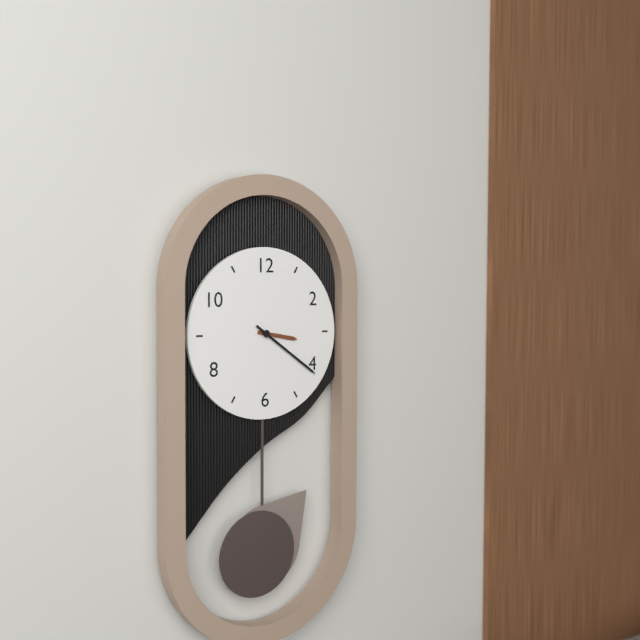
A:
3,21
